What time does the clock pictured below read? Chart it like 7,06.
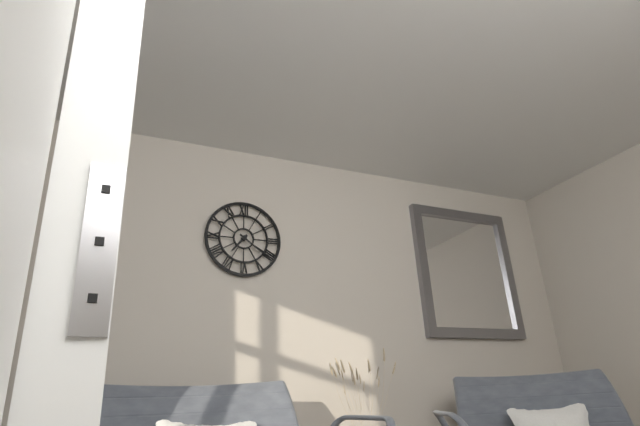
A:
7,21
